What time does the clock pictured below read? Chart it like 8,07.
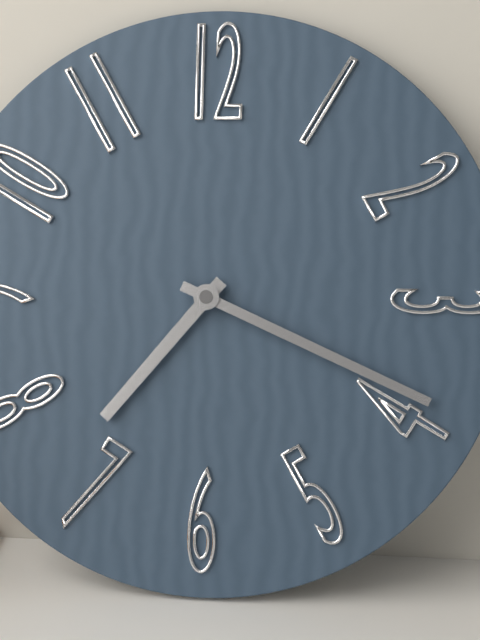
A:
7,19
